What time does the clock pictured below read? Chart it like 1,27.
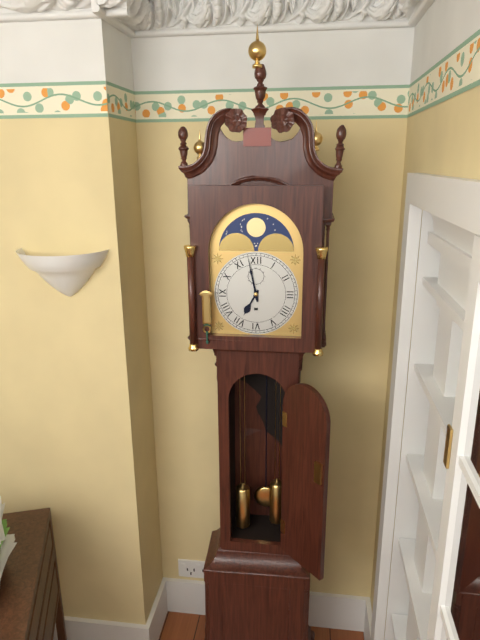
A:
6,58
